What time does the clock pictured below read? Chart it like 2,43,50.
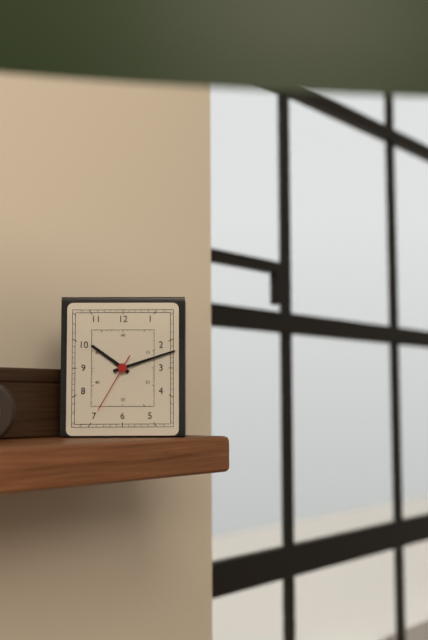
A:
10,12,35
